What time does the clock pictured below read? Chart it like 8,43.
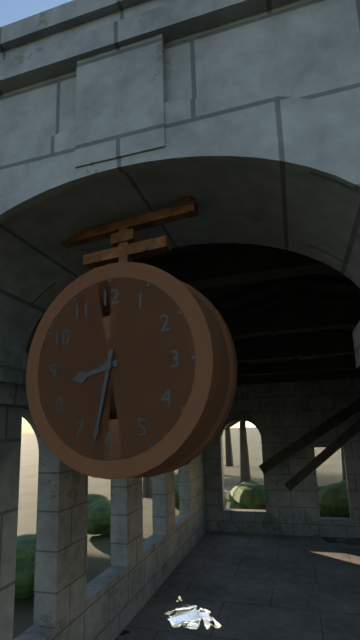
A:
8,32
